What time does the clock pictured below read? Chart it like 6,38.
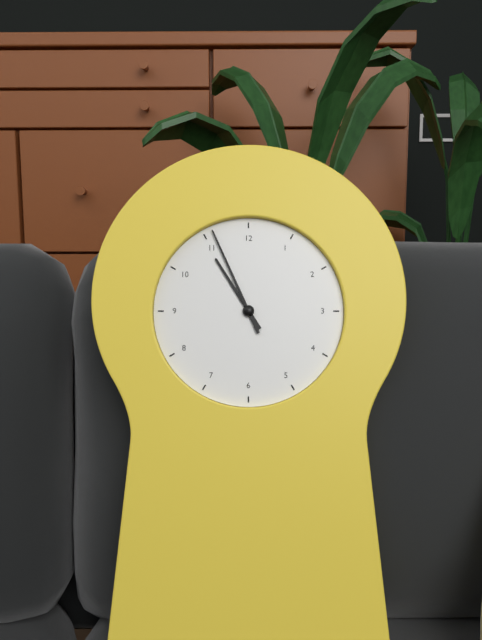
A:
10,56
